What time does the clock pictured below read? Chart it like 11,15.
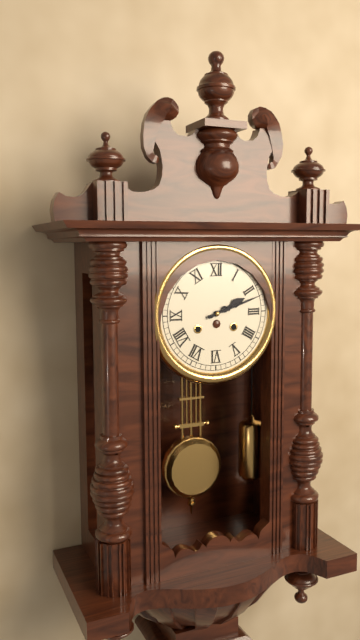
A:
2,12
